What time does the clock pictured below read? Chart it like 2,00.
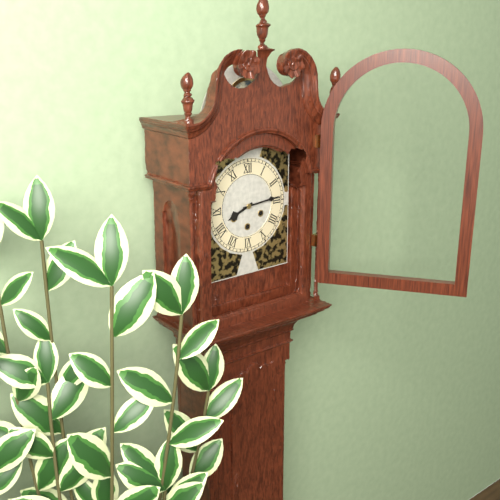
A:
8,14
